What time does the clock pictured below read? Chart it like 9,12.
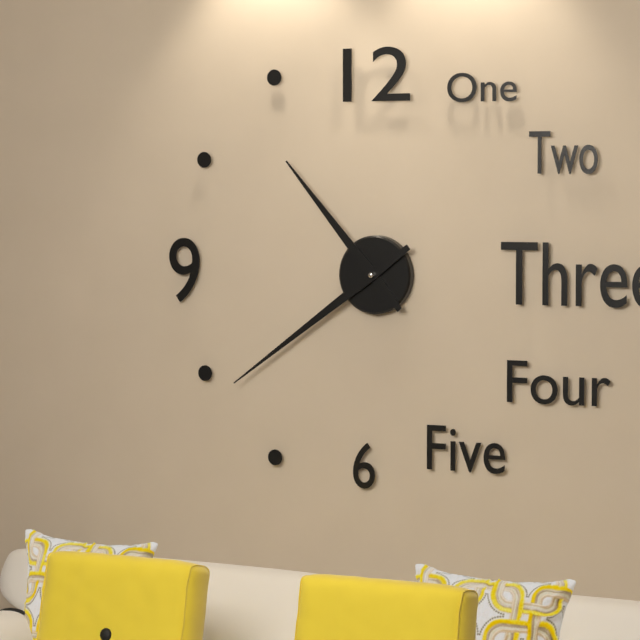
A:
10,39
